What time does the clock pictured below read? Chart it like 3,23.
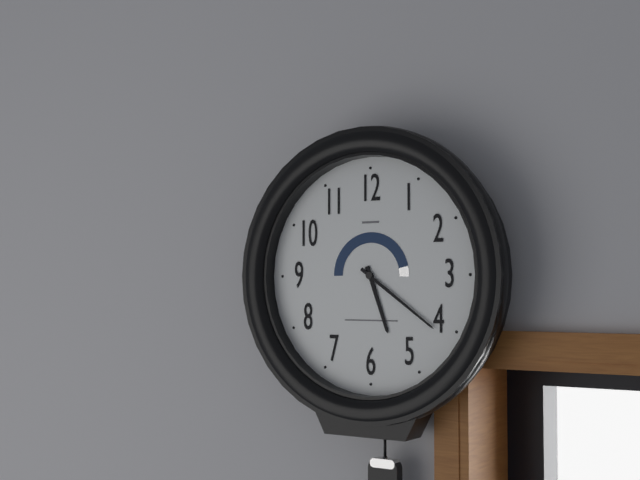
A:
5,21
